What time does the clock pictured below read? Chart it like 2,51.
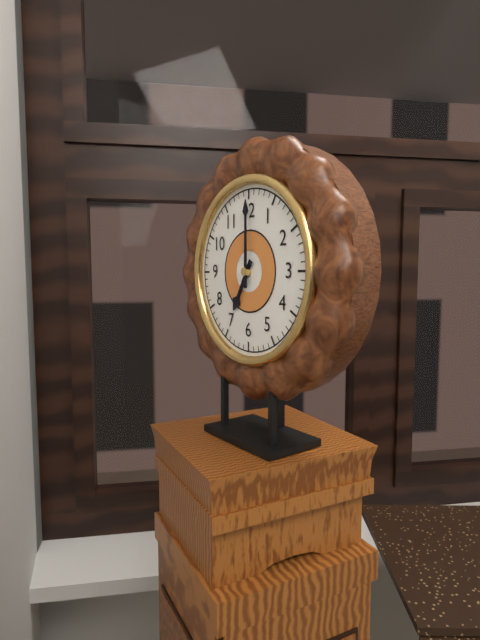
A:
7,00
